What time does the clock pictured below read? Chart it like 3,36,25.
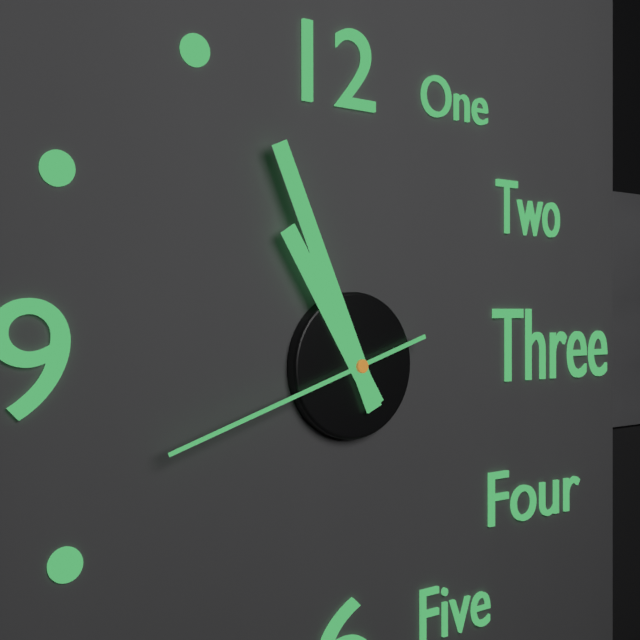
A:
10,56,42
